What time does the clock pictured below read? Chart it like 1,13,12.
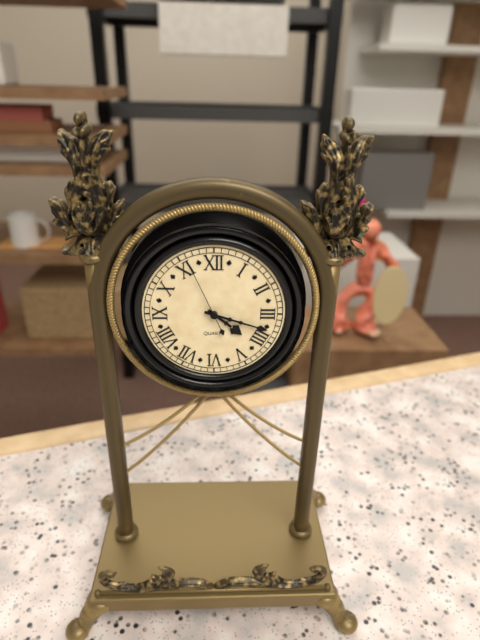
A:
4,18,56
